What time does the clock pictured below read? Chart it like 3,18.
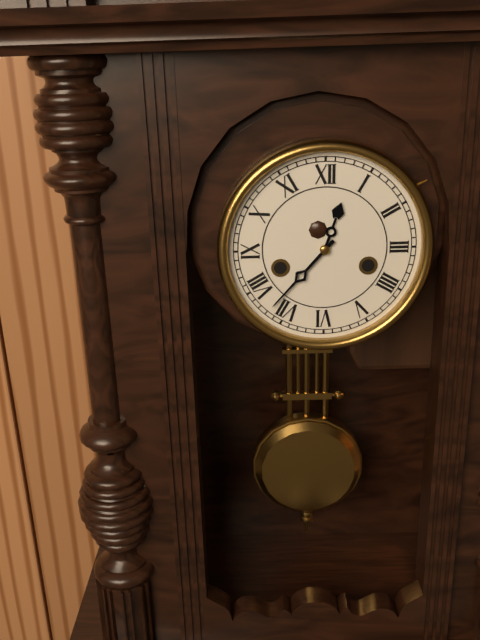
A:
12,37
